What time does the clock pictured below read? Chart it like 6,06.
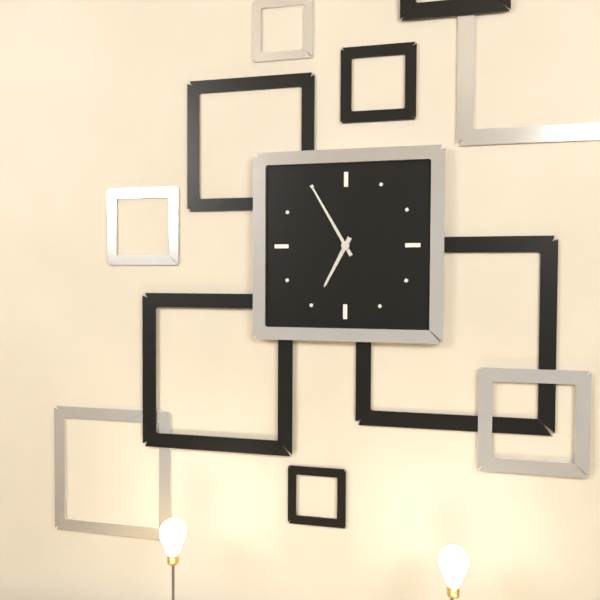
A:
6,55
